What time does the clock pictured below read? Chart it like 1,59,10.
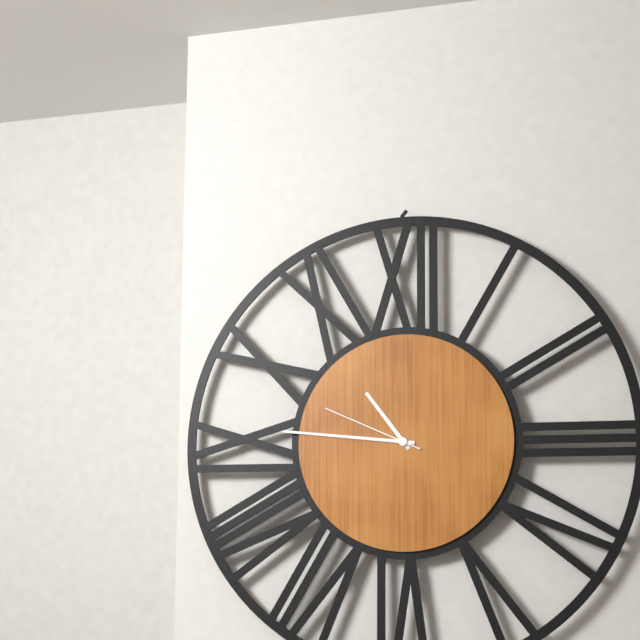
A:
10,46,49
